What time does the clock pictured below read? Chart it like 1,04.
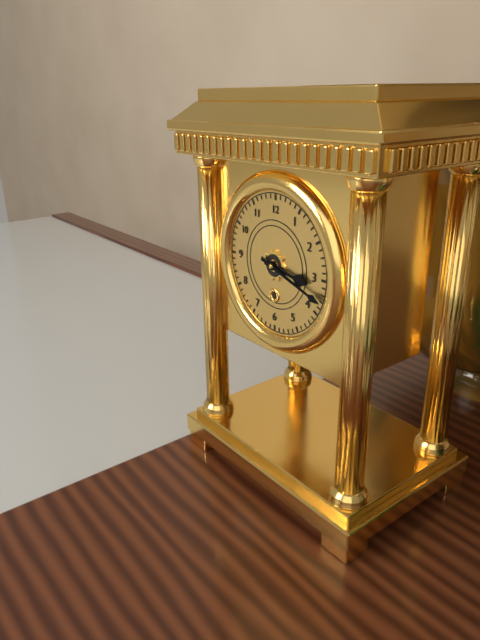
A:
3,18
